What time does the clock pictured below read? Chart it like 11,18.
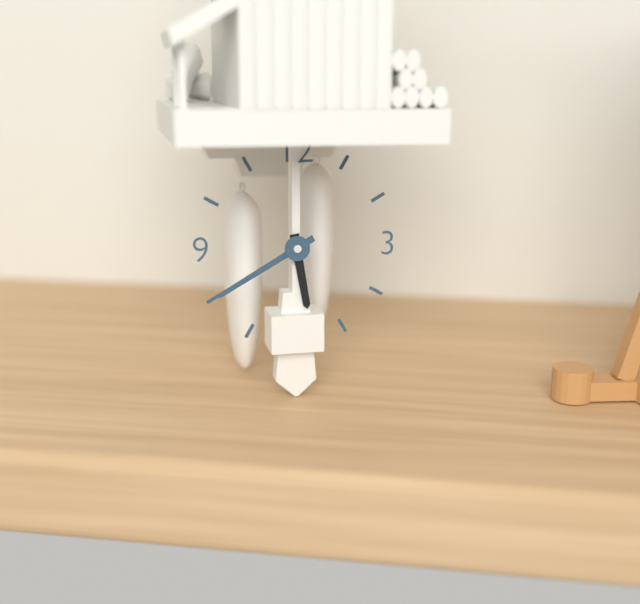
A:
5,40
